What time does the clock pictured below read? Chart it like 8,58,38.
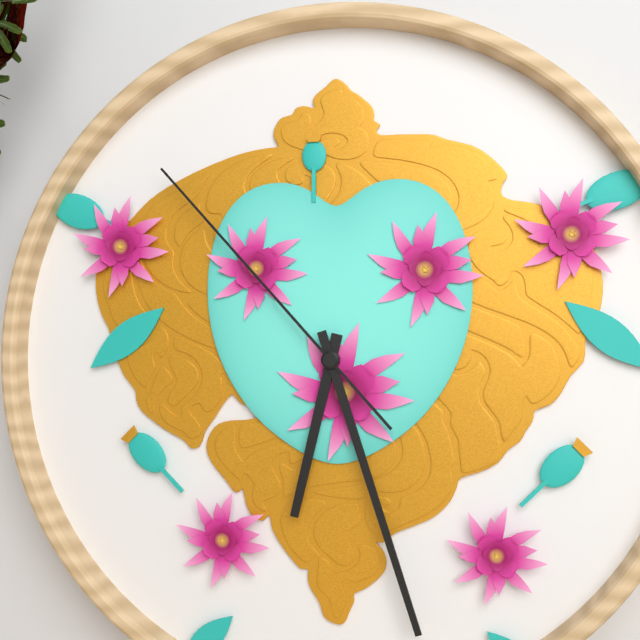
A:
6,27,53
